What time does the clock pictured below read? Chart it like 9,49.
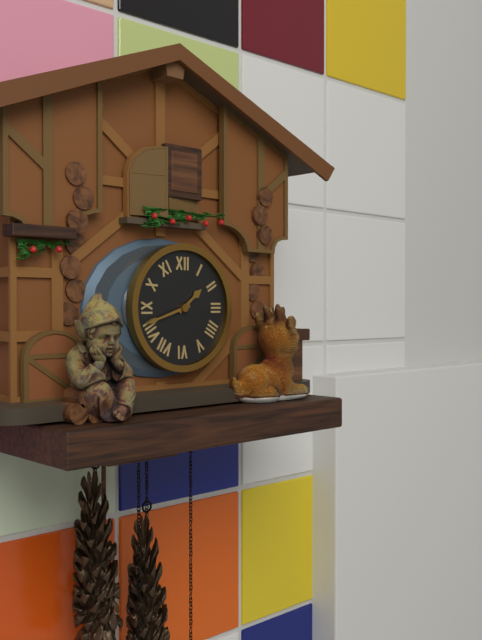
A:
1,42
